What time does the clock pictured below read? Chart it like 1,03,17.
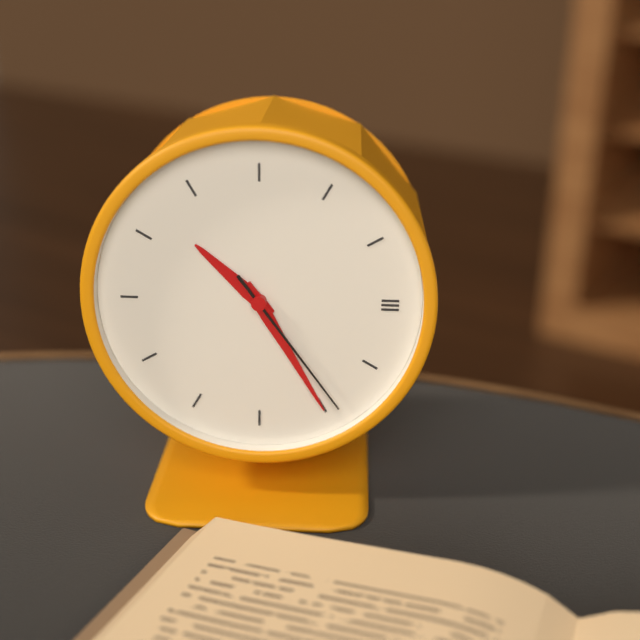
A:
10,25,24
